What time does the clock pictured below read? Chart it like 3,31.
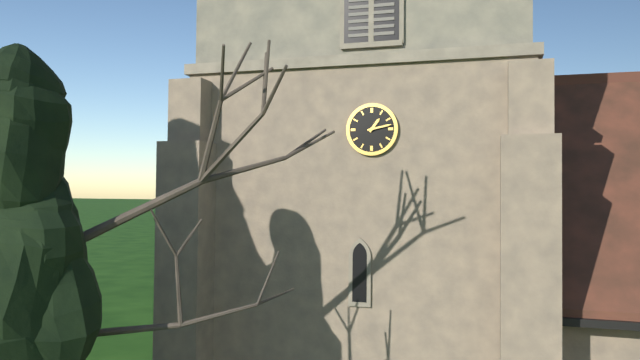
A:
1,13
